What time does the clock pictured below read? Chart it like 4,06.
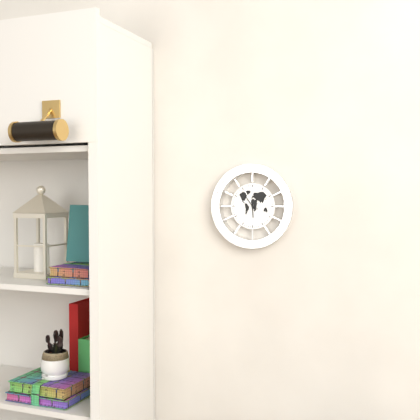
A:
5,54
